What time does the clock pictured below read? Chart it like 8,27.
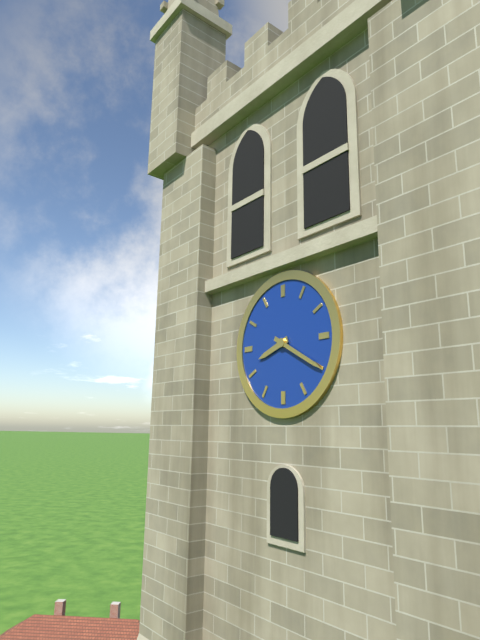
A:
8,20
